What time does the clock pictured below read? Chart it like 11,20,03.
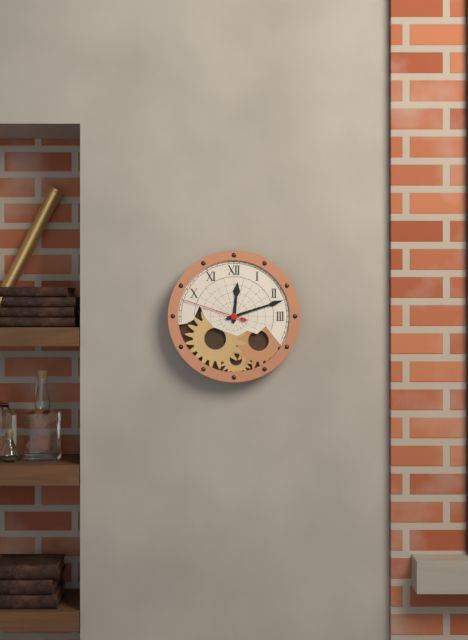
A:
12,12,48
